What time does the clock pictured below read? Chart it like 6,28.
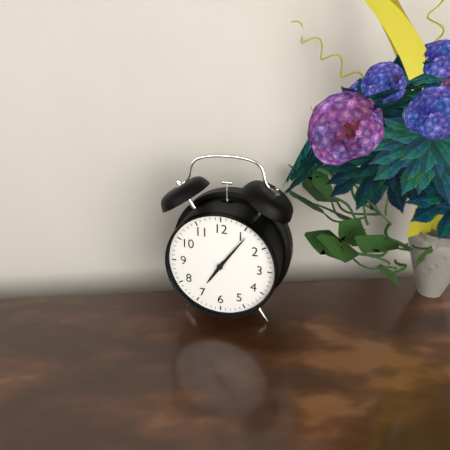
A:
7,06
